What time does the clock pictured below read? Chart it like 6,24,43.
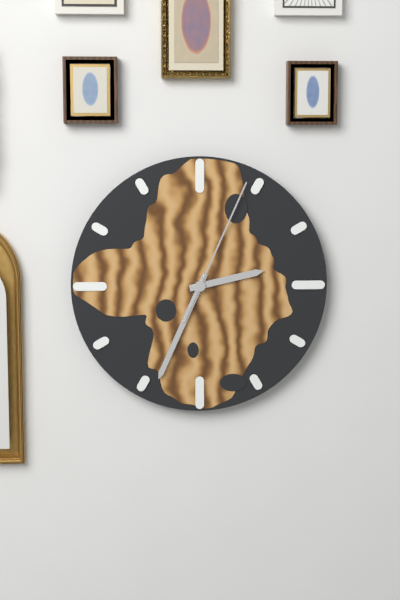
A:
2,34,04
